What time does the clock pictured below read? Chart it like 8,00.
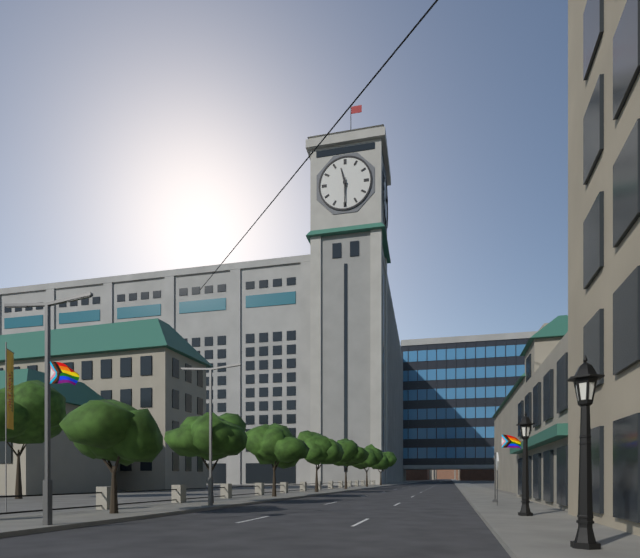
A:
11,30
